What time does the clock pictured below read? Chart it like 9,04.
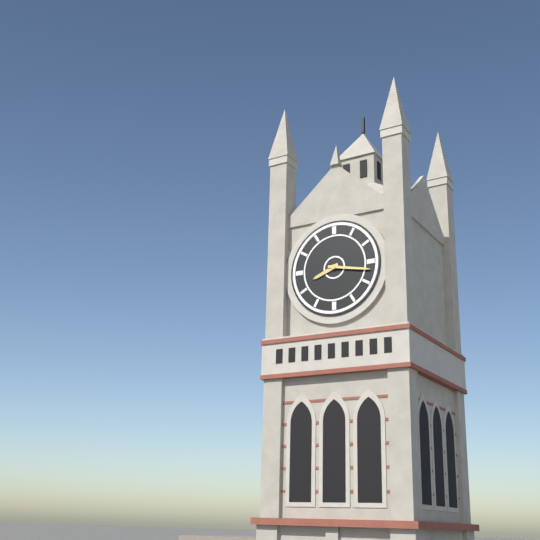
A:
8,17
